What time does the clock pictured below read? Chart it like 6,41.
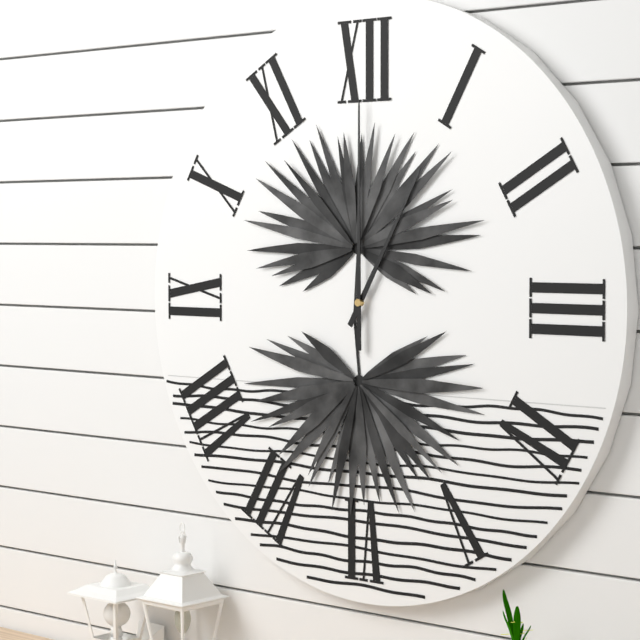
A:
1,00
